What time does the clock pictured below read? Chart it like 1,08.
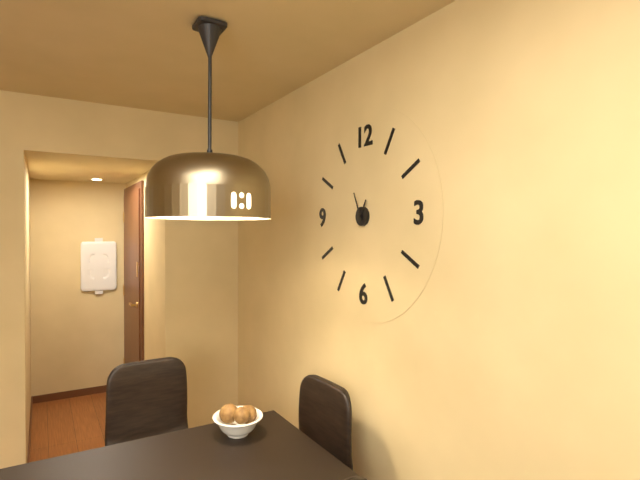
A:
12,56
